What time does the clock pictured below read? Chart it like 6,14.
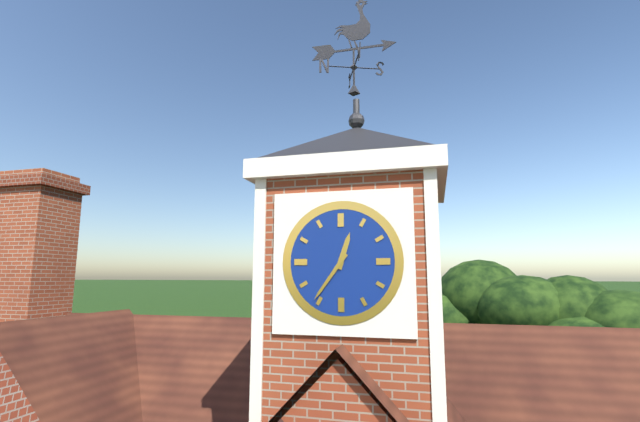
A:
12,36
